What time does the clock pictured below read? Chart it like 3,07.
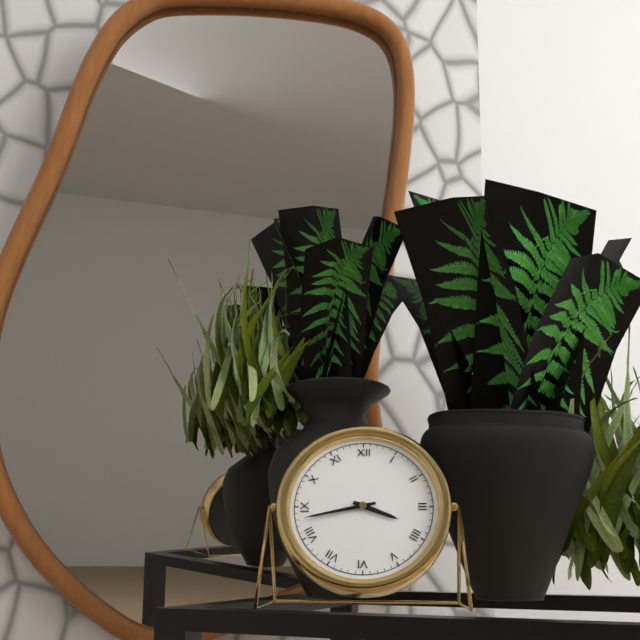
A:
3,43
